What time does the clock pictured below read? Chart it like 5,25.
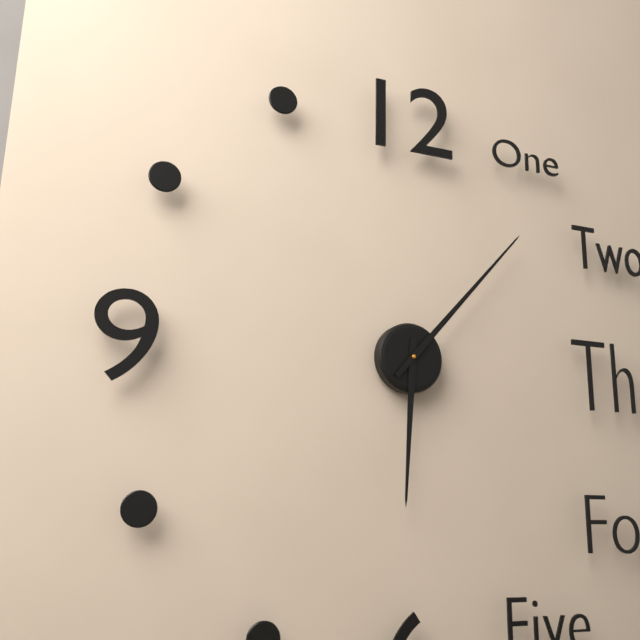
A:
6,07
